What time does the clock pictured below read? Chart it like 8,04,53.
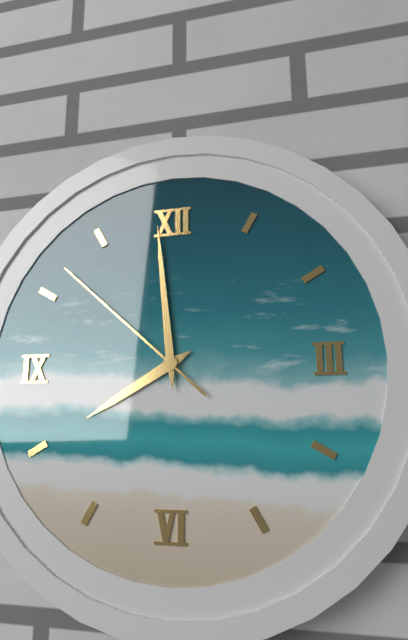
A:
7,59,52
